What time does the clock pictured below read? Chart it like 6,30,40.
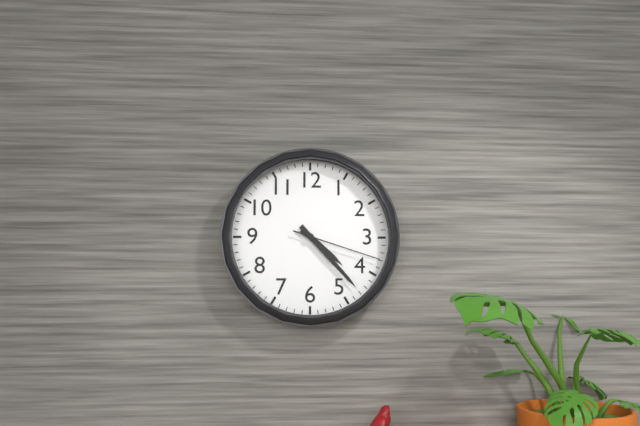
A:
4,23,18
